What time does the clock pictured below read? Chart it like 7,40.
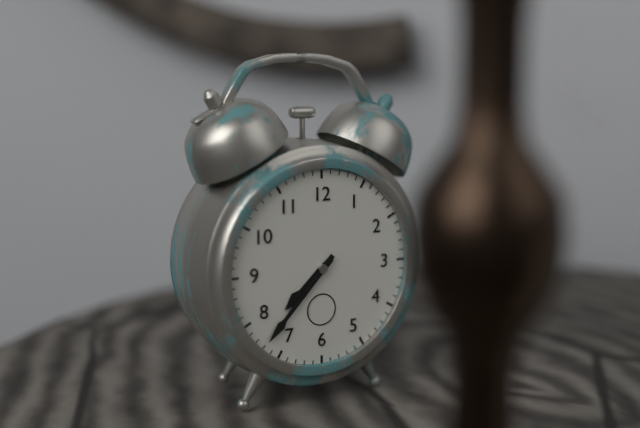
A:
7,37
